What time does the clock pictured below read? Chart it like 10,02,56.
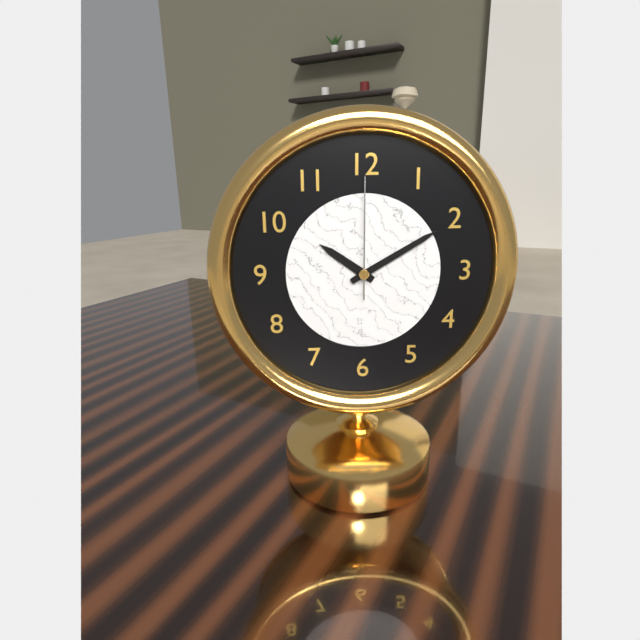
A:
10,10,00
